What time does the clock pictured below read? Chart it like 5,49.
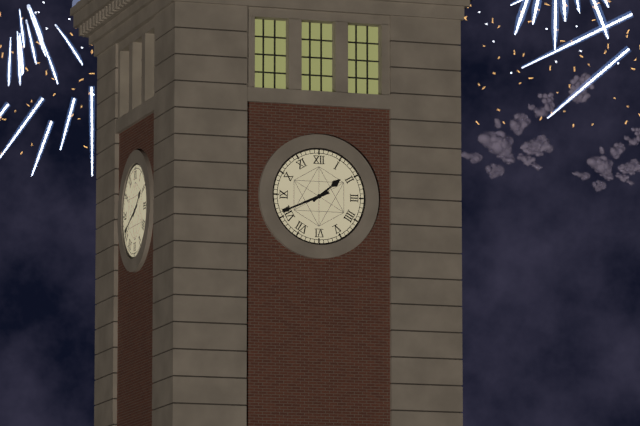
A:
1,41
